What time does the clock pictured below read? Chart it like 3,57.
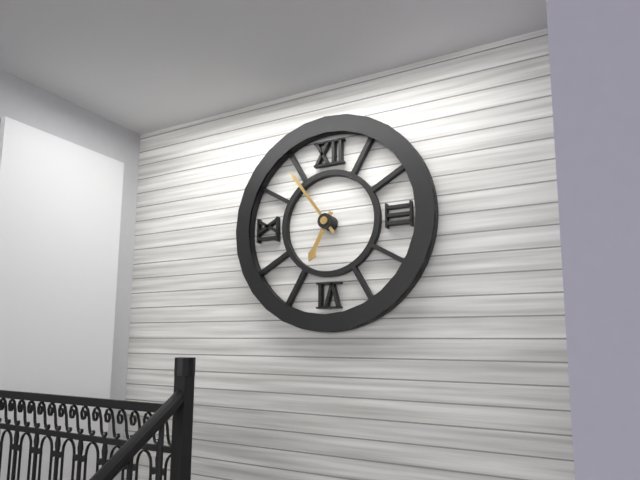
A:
6,54
